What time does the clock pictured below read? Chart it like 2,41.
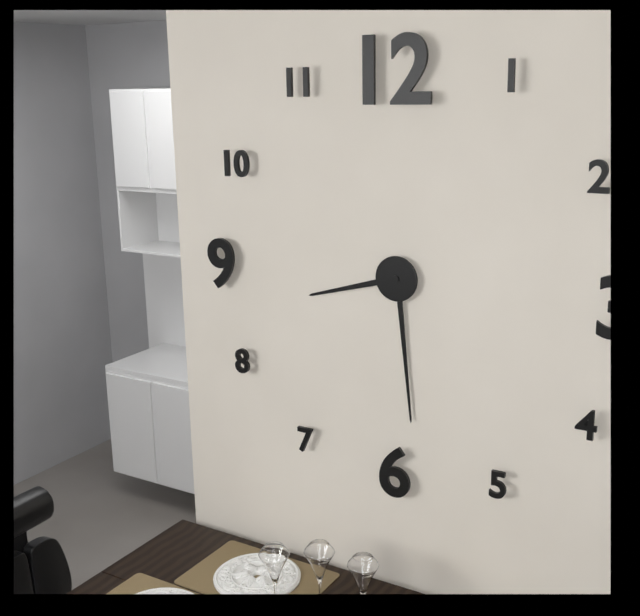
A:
8,29
